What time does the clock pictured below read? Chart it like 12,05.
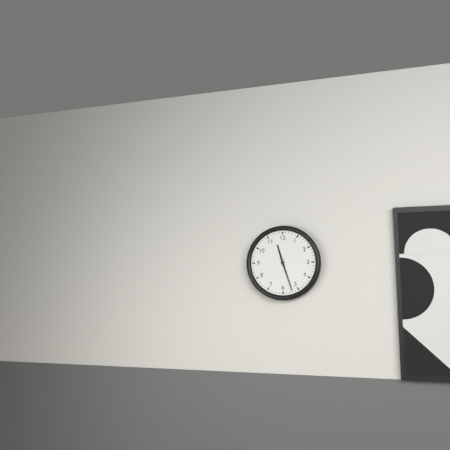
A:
11,27
